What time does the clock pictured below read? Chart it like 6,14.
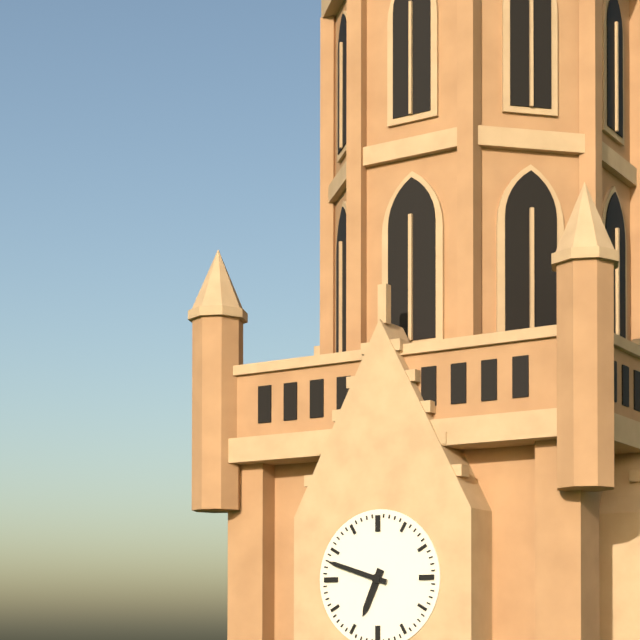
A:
6,48
